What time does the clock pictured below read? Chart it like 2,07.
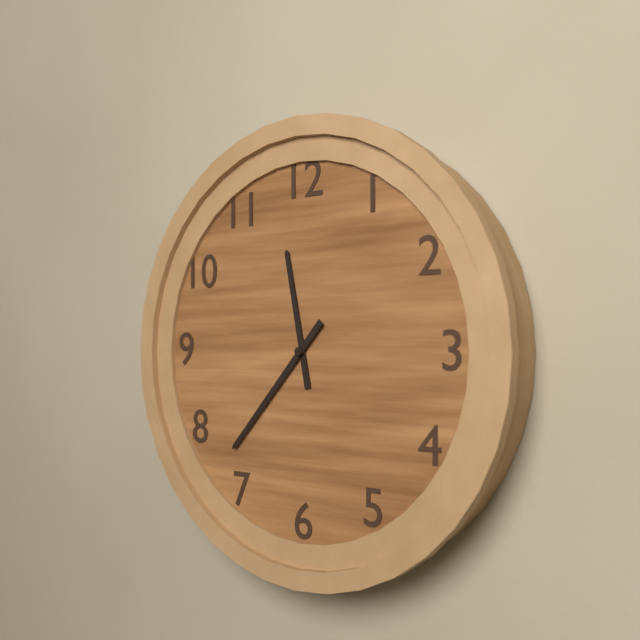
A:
11,37
